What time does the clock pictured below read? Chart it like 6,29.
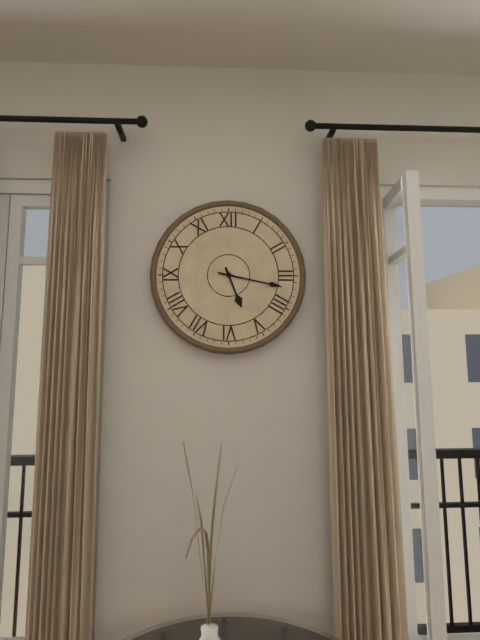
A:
5,17
